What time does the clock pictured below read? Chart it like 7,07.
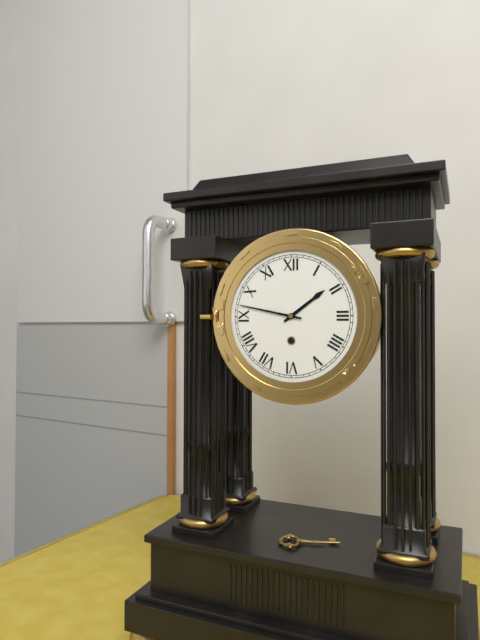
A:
1,47
